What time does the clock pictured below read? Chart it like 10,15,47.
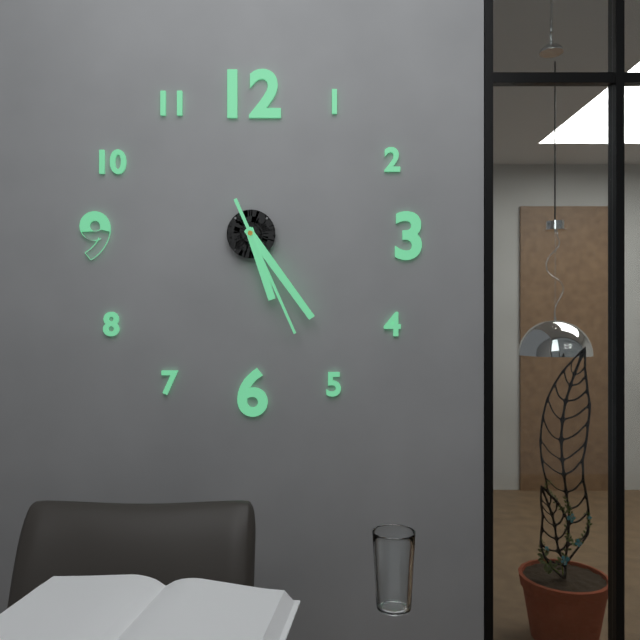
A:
5,24,26
